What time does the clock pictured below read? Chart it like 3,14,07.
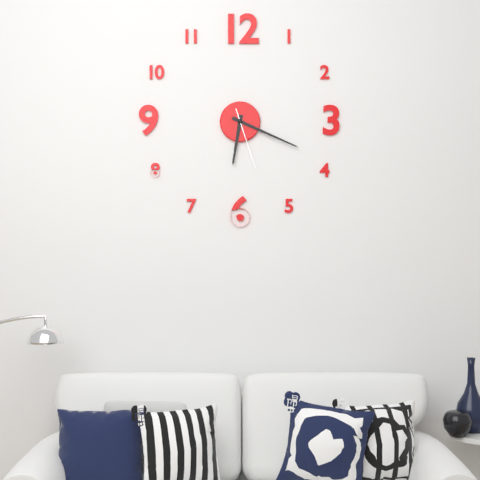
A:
6,19,27
